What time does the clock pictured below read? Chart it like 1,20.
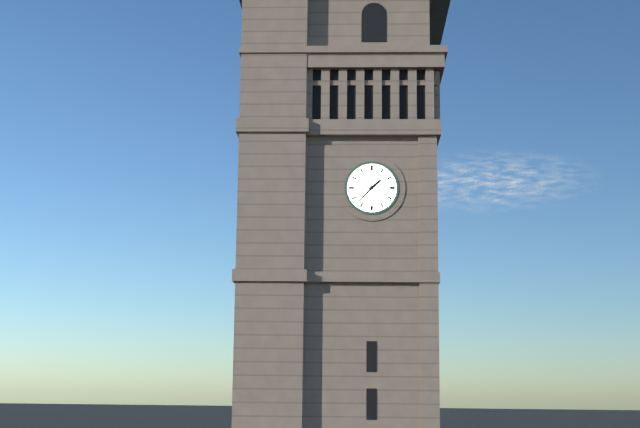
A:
1,37
